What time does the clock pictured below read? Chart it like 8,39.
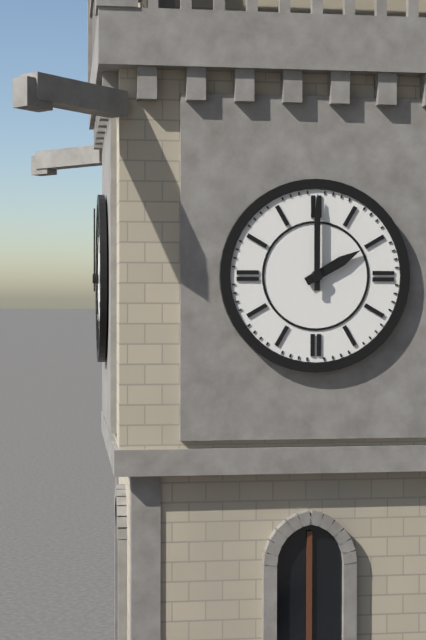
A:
2,00
